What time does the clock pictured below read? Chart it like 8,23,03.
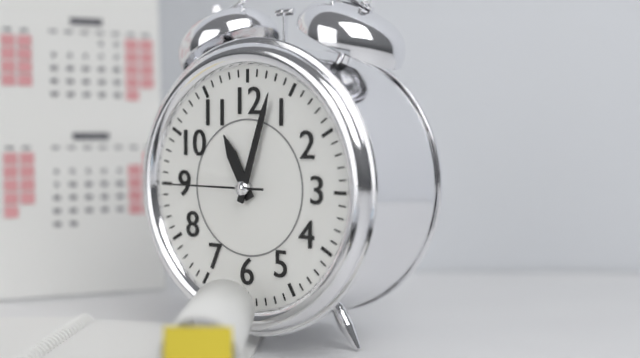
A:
11,03,45
